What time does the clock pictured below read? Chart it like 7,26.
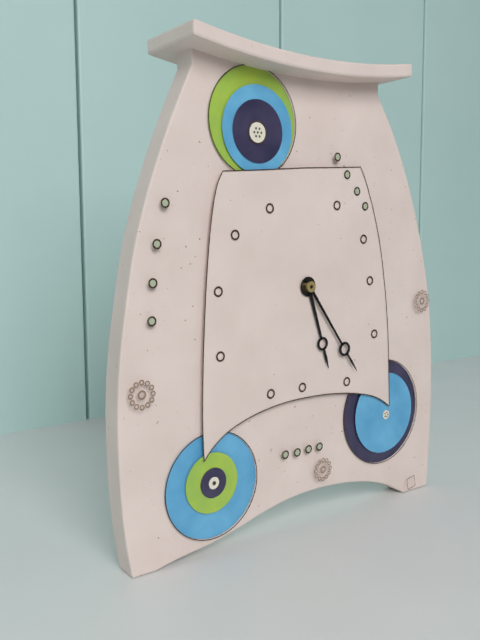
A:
5,24
